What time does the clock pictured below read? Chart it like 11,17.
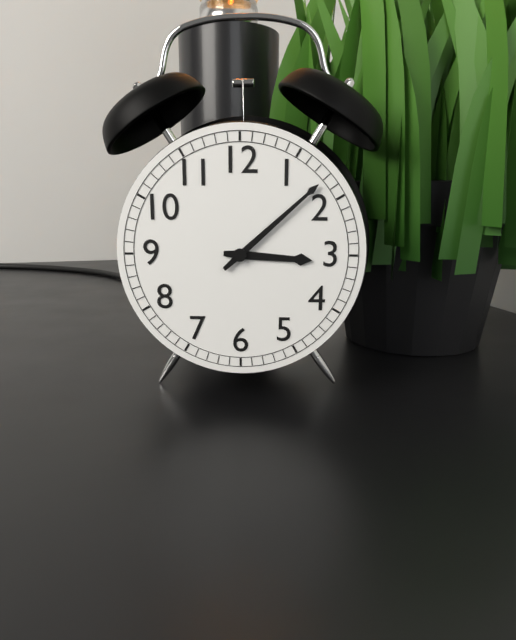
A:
3,08
